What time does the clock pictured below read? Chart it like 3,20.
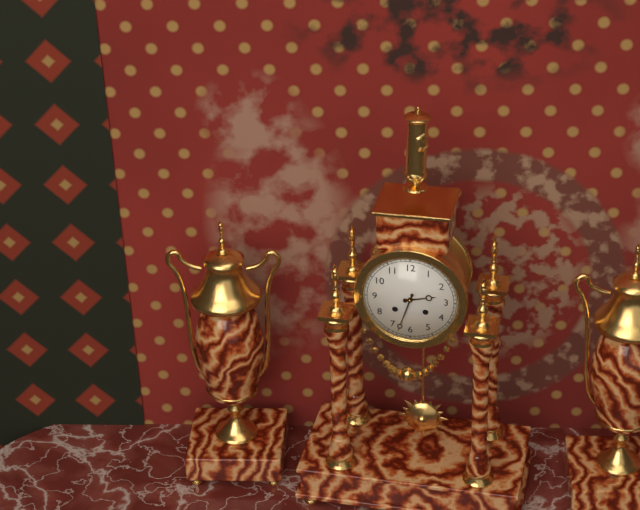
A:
2,33
